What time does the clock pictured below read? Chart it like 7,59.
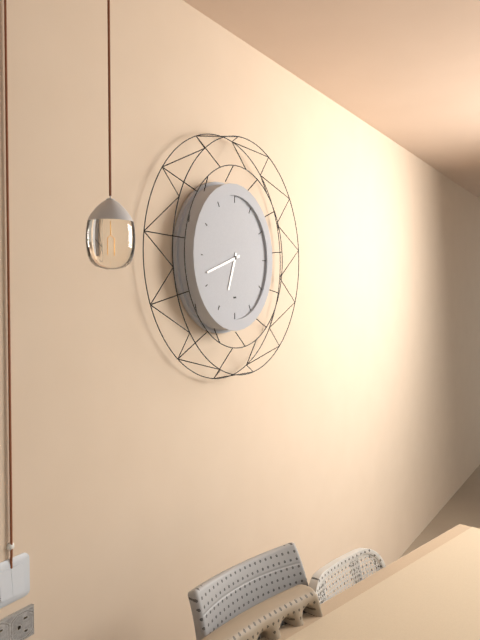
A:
6,42
